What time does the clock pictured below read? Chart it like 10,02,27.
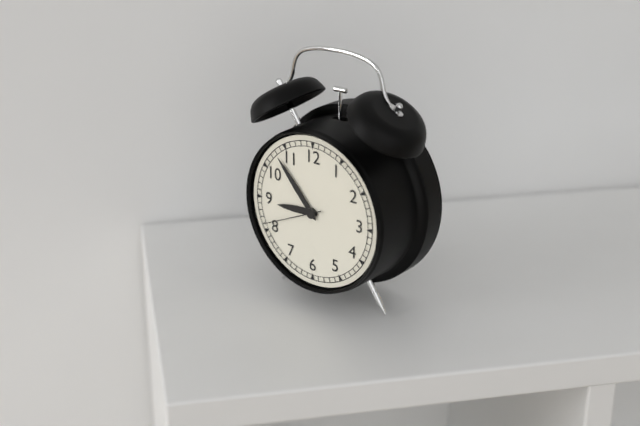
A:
8,53,41
